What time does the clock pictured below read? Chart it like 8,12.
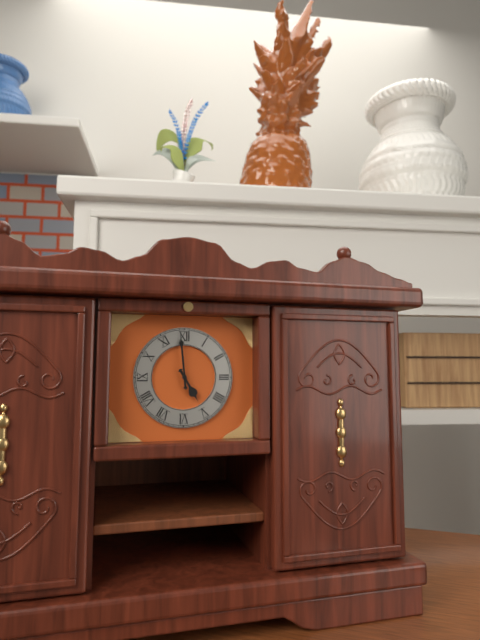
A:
4,59
